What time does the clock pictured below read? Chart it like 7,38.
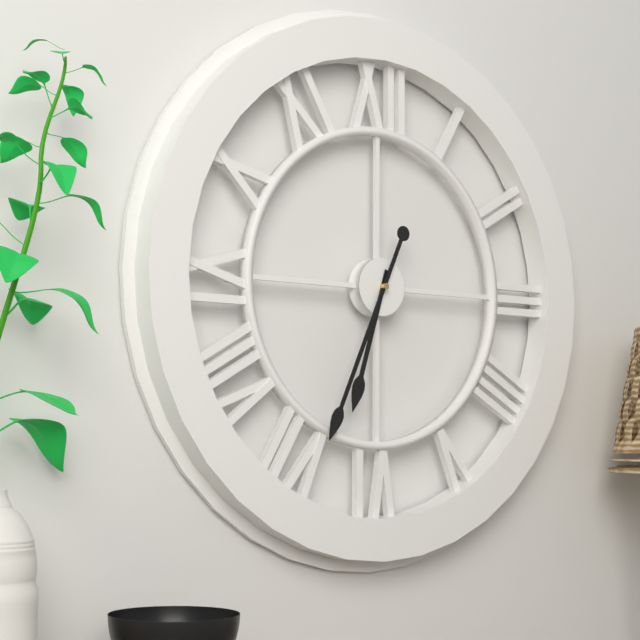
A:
6,34
